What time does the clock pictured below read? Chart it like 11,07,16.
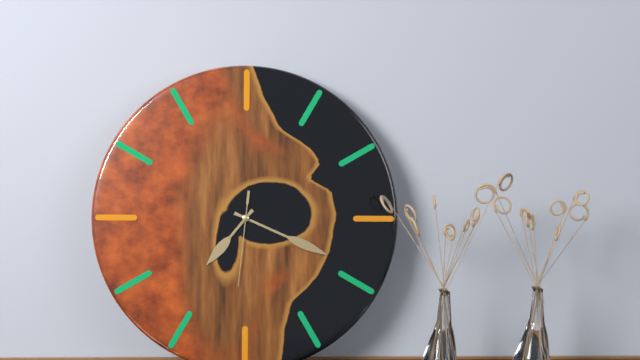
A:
7,19,31
